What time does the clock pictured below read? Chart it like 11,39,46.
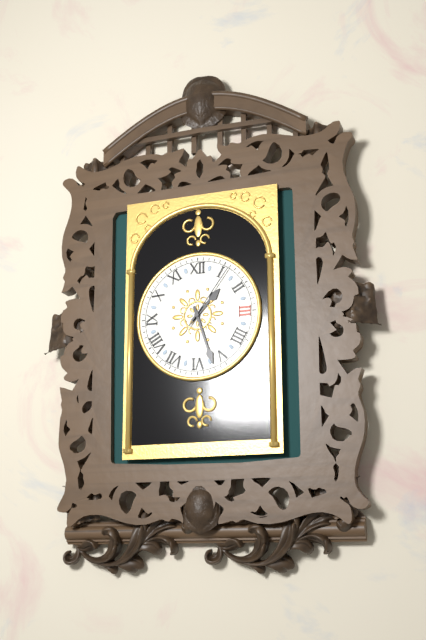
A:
1,27,06
